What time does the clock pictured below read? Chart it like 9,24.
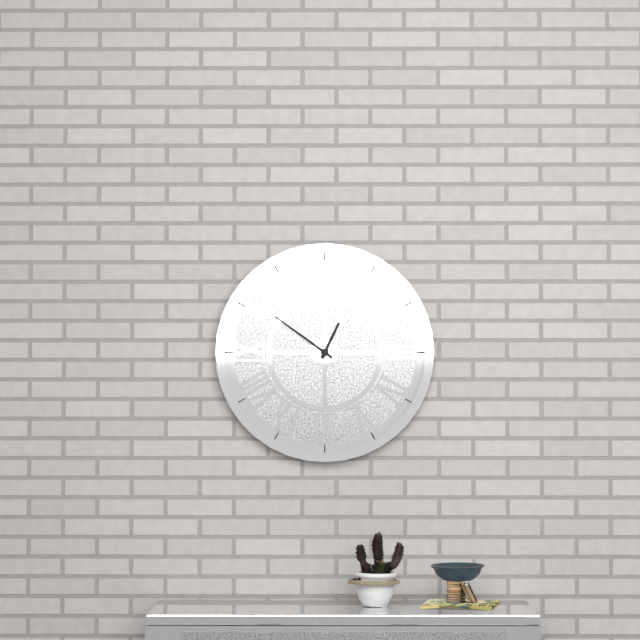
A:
12,51
